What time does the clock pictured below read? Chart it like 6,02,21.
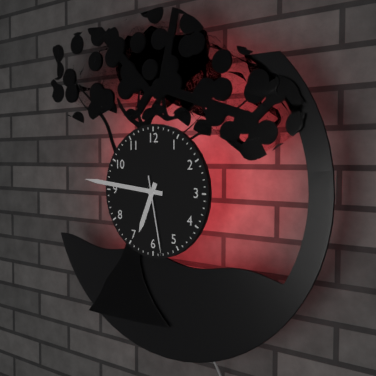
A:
6,46,28
